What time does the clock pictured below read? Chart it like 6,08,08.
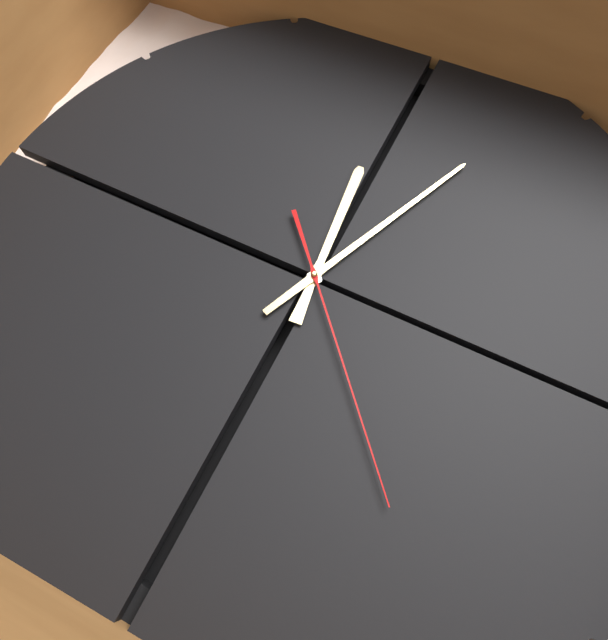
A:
8,49,08
